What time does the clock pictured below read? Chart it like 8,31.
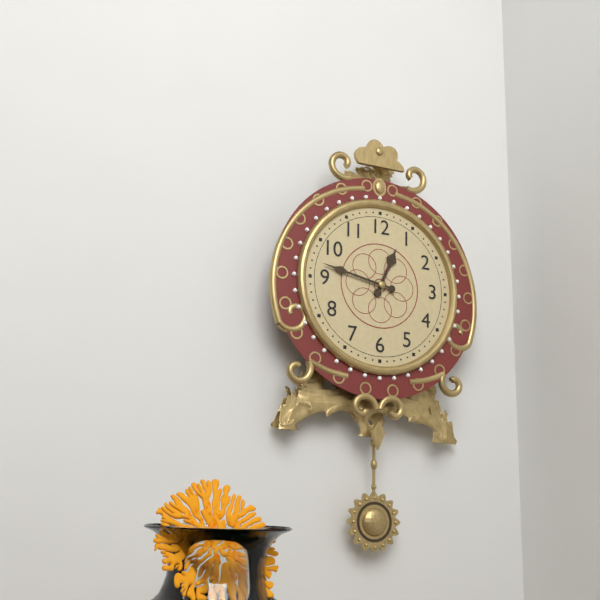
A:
12,47
